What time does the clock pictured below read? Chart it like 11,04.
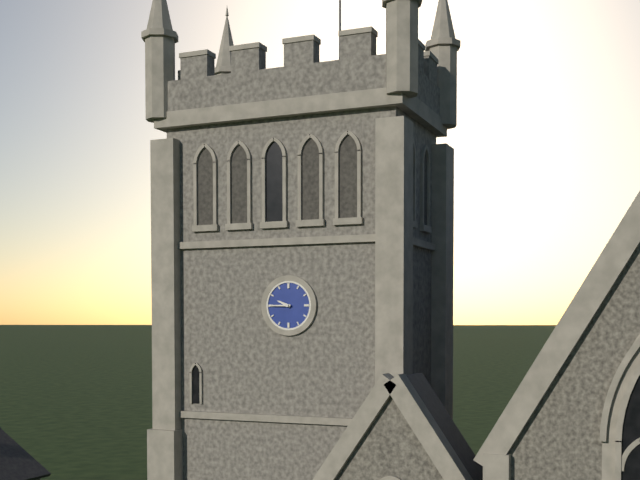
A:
9,45
